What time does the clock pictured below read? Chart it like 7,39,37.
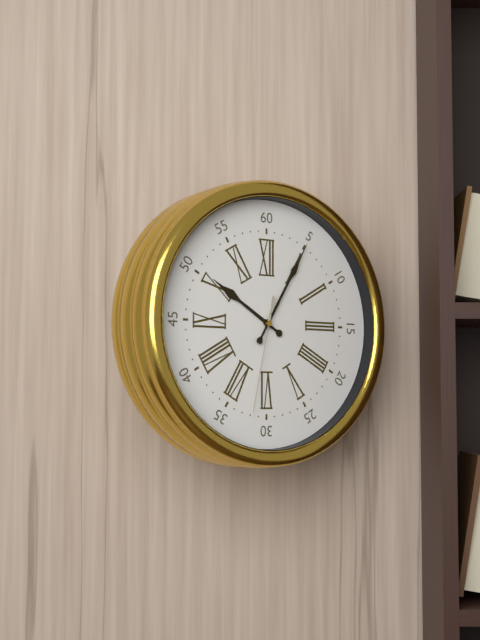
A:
10,05,32
